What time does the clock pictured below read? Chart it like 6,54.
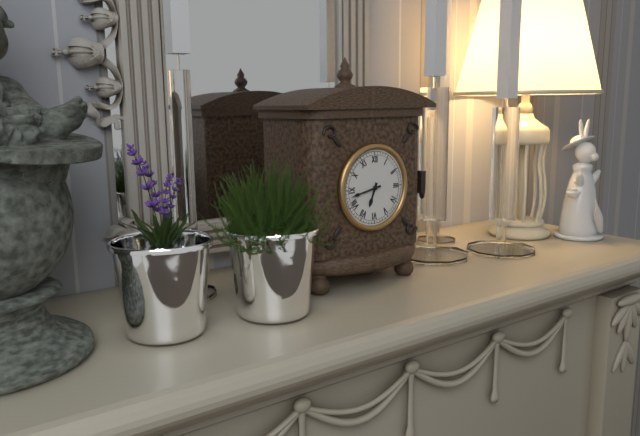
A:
6,43
